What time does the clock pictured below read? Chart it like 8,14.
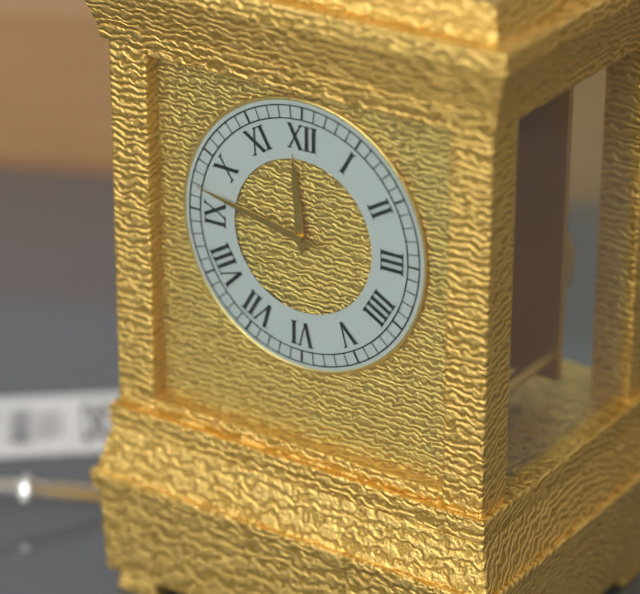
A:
11,47
